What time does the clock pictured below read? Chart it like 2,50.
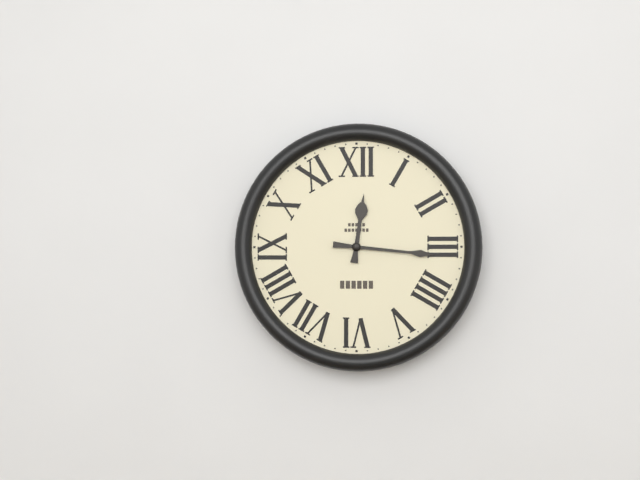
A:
12,16
